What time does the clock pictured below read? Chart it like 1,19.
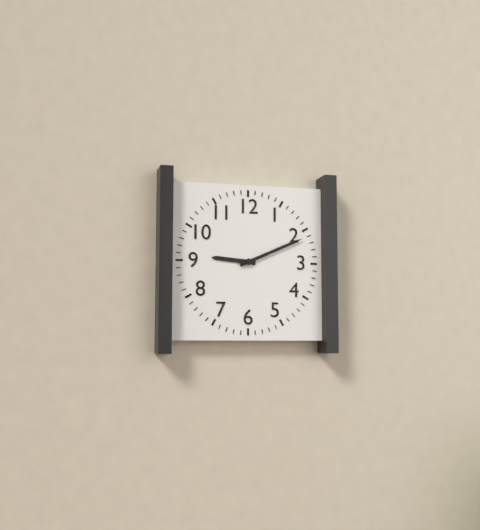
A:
9,11
